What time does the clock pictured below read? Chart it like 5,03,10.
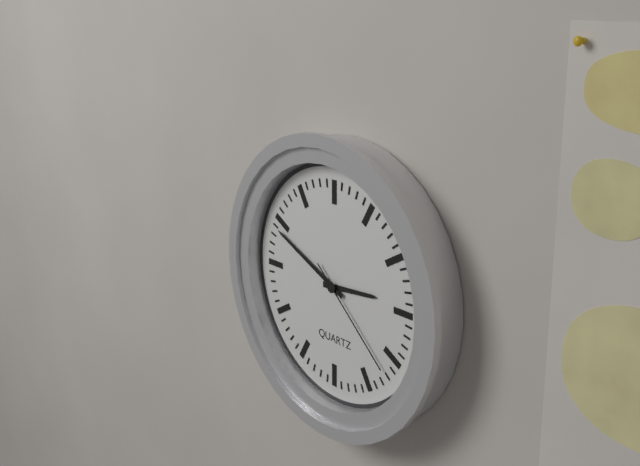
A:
2,49,22
